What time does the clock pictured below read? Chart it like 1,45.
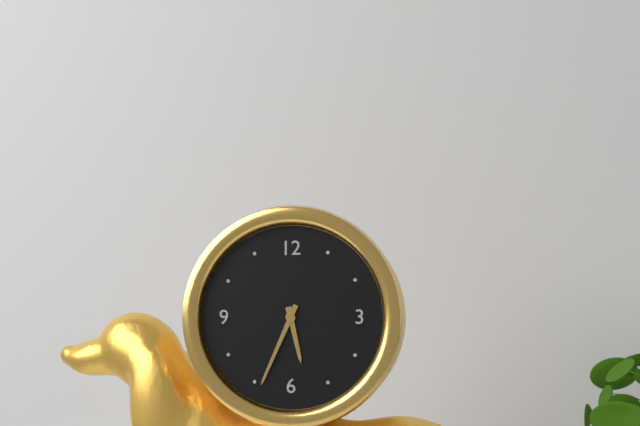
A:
5,34
